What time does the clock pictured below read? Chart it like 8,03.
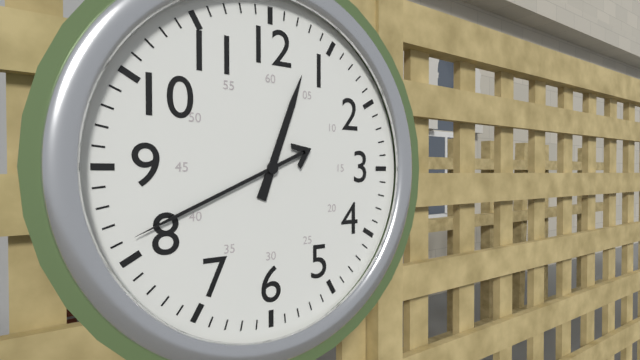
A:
12,41
